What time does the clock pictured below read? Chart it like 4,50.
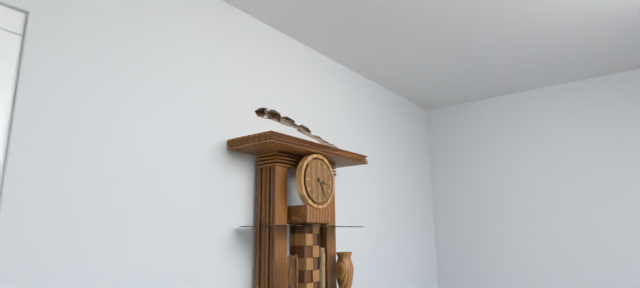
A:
3,25
